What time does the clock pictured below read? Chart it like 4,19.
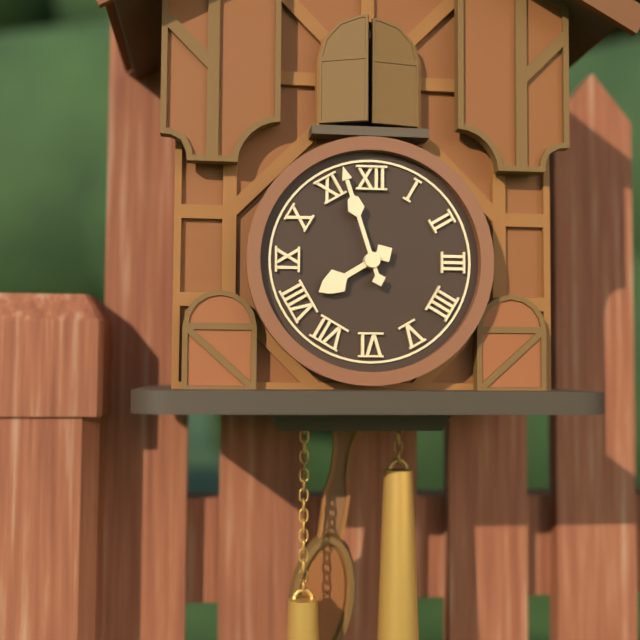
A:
7,57
